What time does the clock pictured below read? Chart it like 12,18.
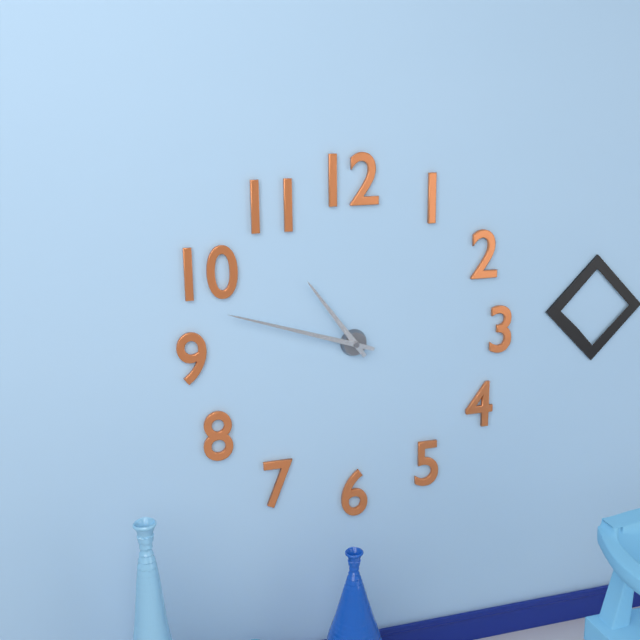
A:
10,48
